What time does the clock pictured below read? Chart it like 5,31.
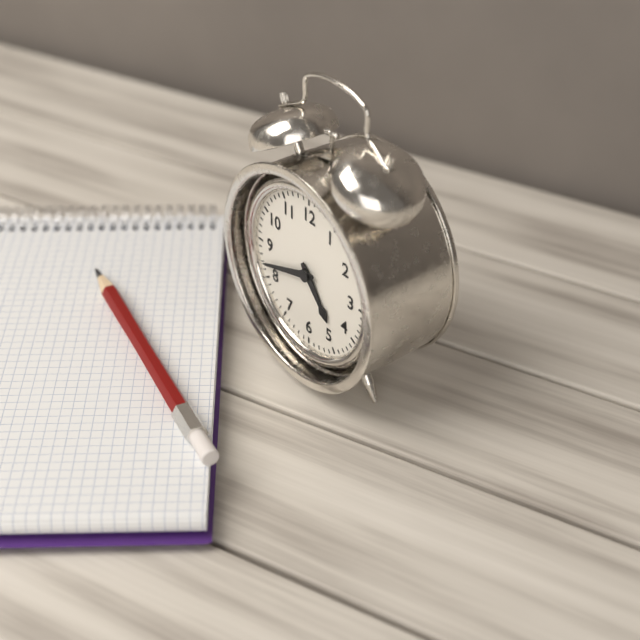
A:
4,42
